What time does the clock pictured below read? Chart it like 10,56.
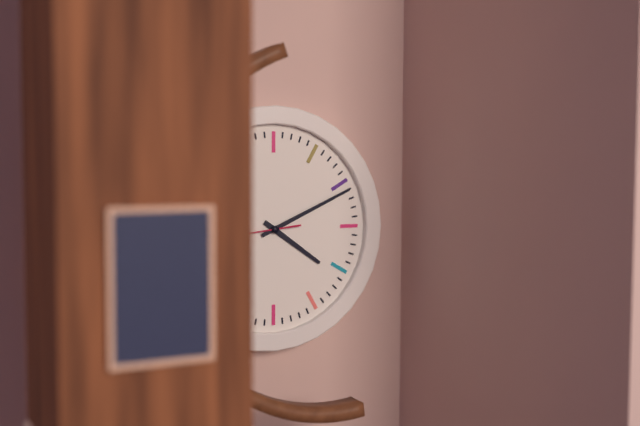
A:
4,11
